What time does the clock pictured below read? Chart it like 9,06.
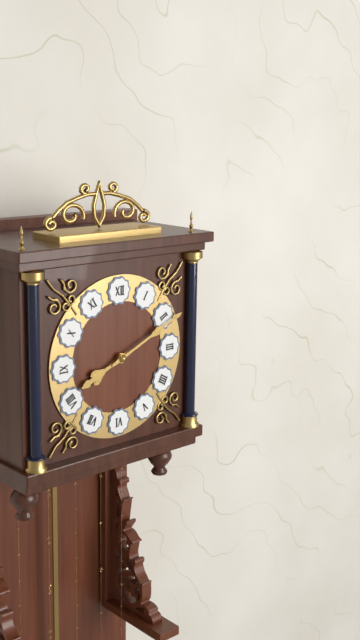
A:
8,11
